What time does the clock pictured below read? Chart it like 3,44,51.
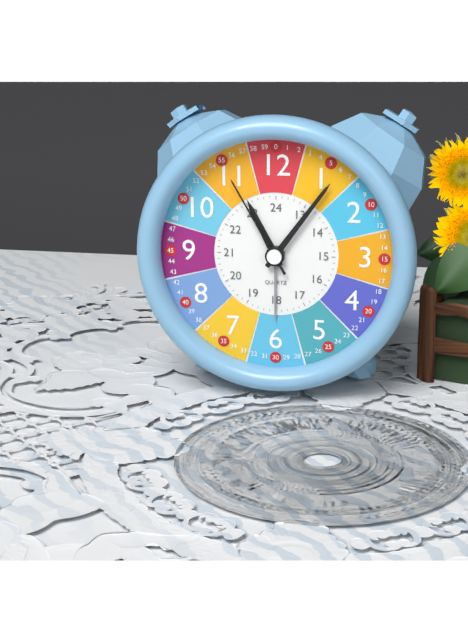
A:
11,06,55
